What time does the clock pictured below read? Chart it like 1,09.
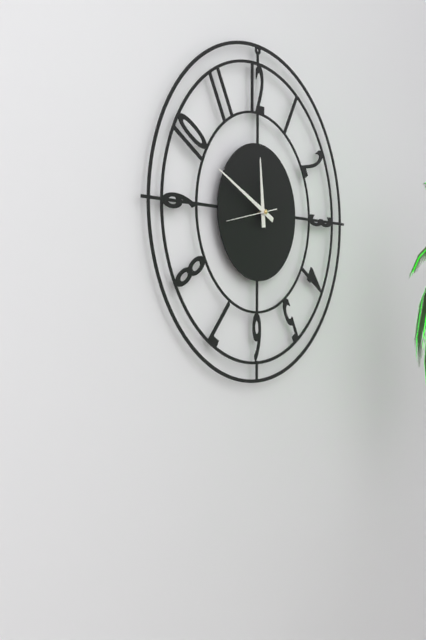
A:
11,49
